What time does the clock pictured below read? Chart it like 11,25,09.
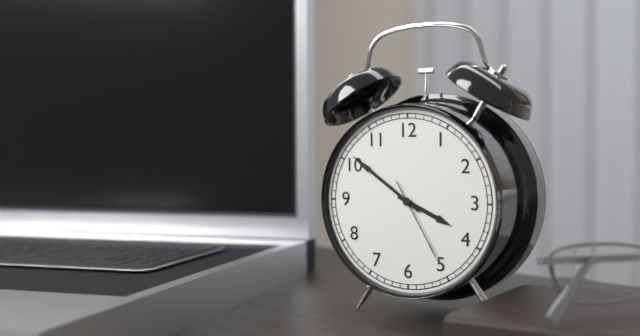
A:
3,51,25
